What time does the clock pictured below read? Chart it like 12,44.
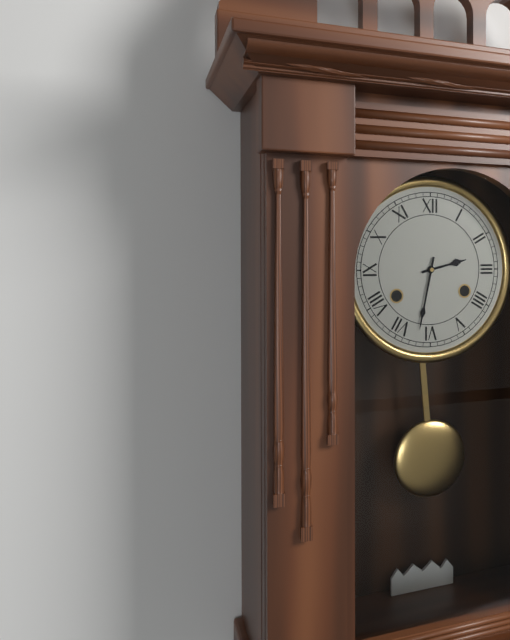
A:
2,32
